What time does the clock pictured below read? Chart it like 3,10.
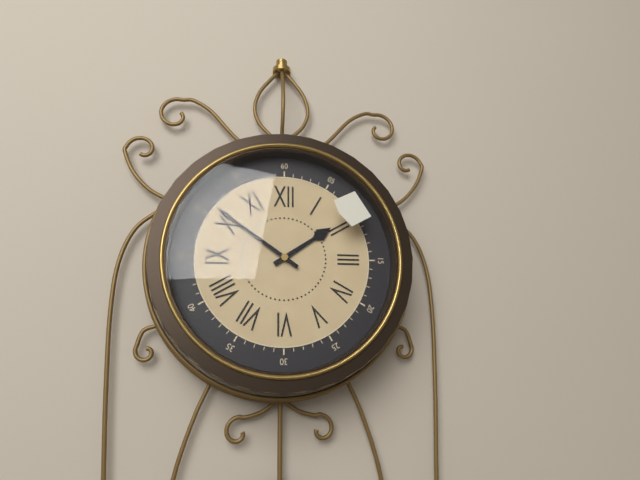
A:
1,51
